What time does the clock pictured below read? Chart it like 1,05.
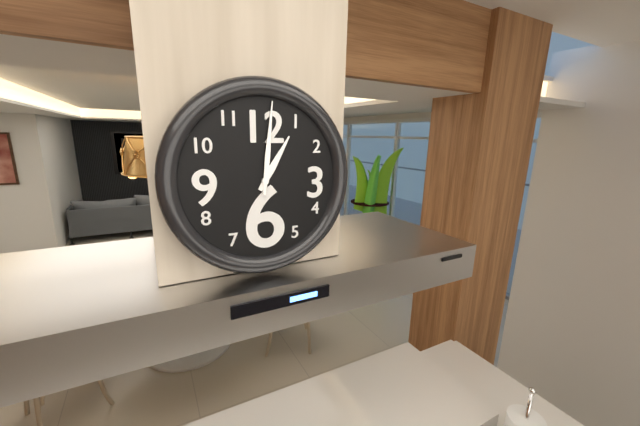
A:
1,01
